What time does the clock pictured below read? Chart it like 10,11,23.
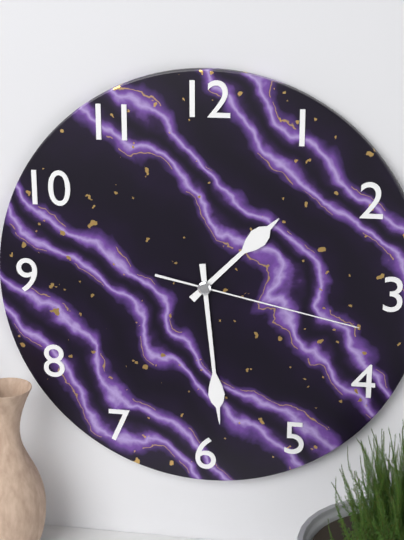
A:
1,29,17
